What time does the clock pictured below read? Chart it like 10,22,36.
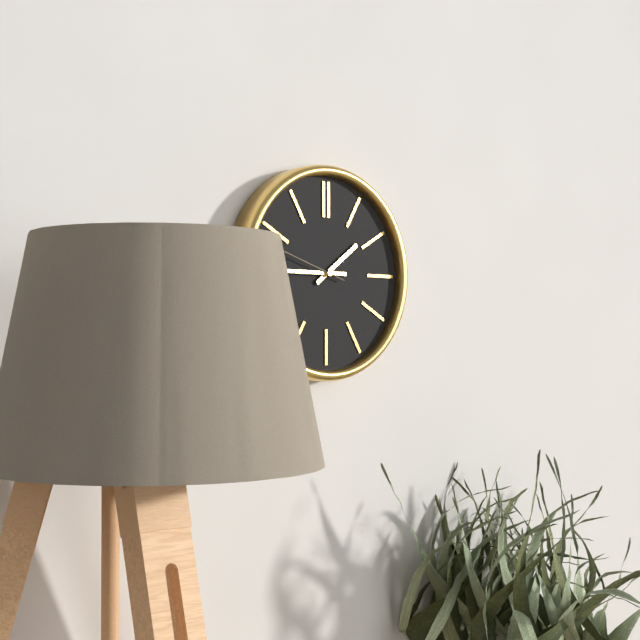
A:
1,45,48
